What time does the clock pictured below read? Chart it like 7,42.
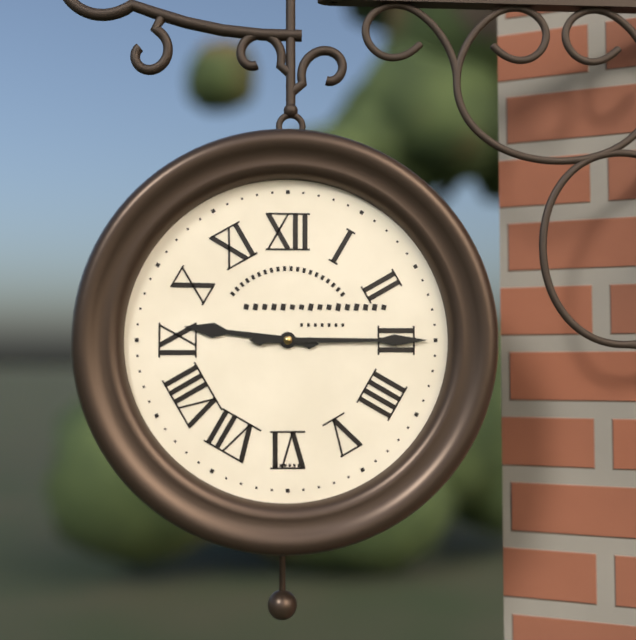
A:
9,15
